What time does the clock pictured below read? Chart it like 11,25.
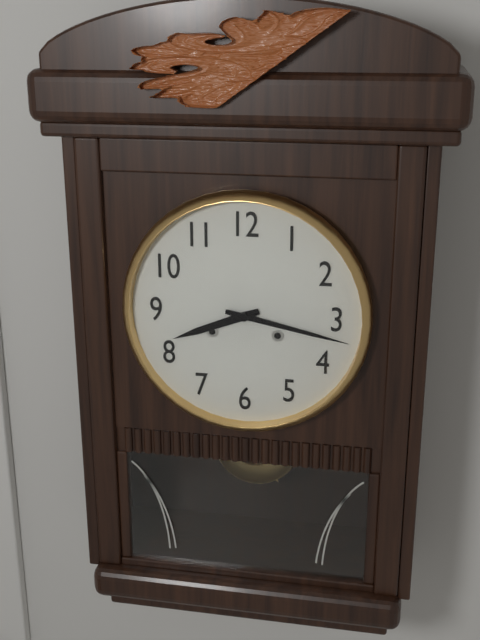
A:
8,17
